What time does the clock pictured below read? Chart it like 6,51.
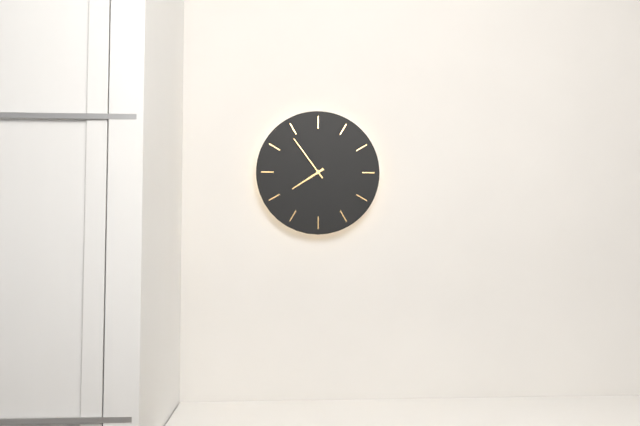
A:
7,54
